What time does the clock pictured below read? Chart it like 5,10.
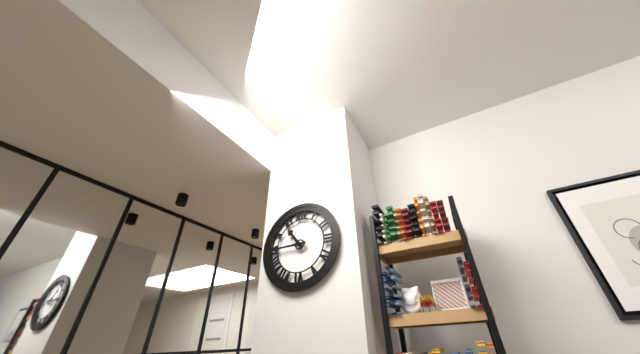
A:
10,45
